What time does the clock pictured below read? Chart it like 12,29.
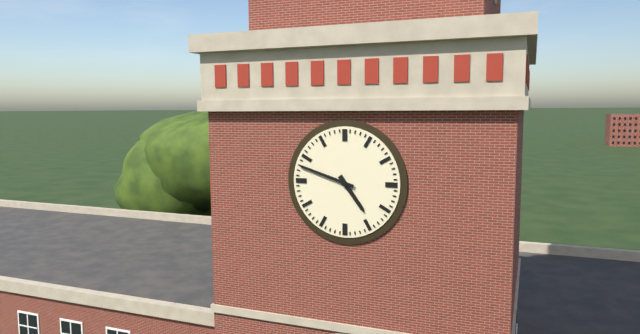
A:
4,48
